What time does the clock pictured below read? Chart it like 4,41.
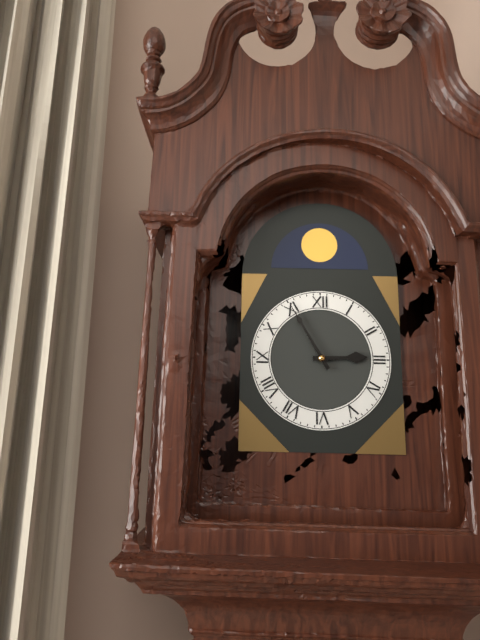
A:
2,55
